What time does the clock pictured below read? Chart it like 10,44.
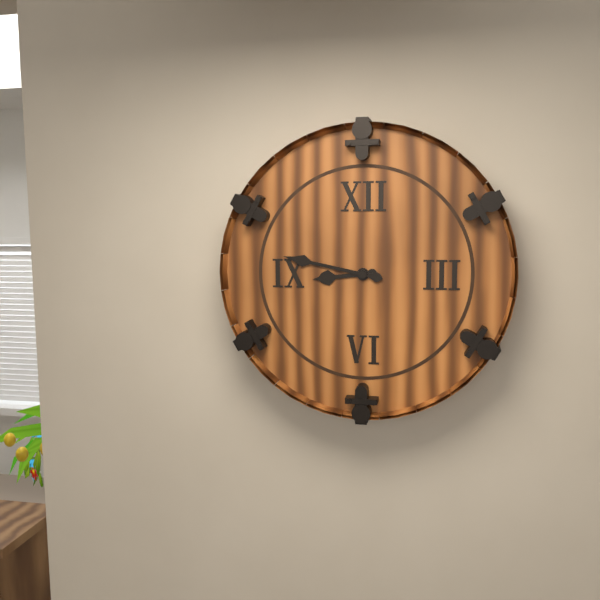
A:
8,47
